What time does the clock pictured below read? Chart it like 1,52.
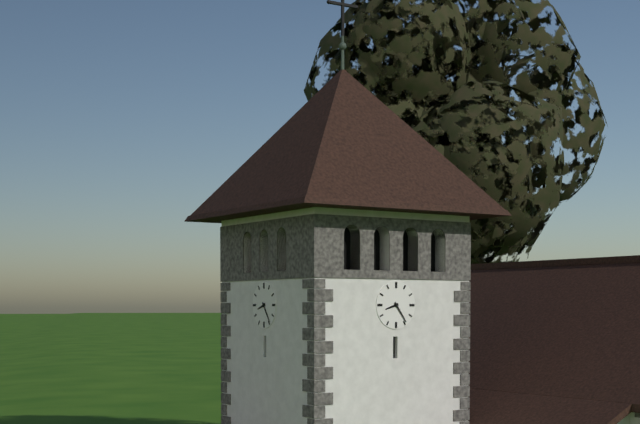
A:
8,24
